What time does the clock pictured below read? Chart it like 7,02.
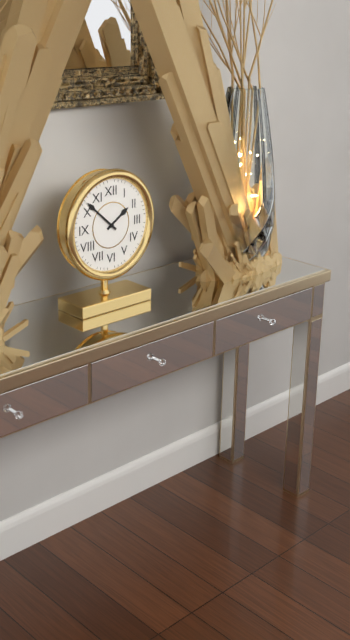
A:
1,52
